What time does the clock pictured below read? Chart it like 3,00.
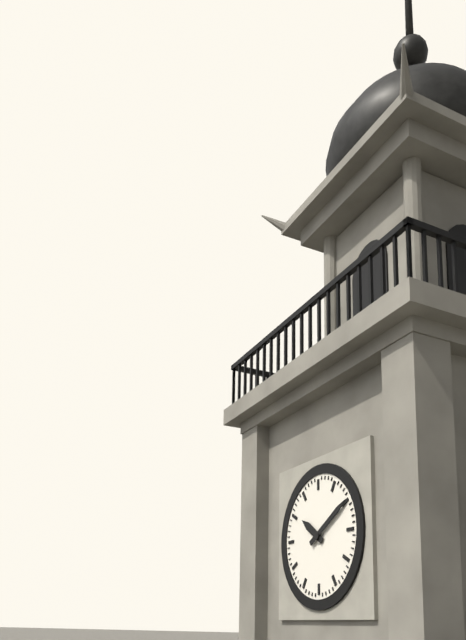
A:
10,10
